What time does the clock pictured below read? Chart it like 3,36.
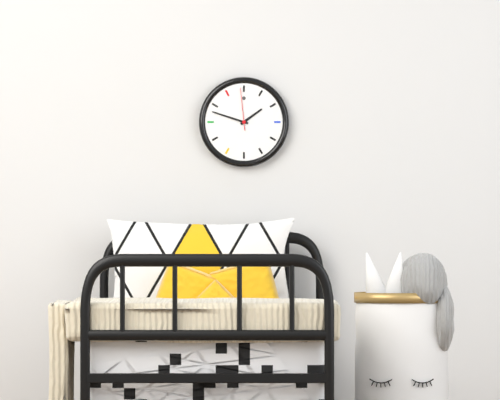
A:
1,48
